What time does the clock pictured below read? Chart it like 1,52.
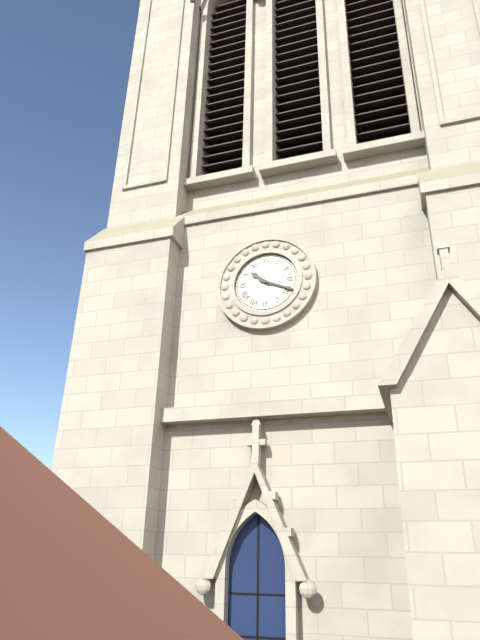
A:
10,19
